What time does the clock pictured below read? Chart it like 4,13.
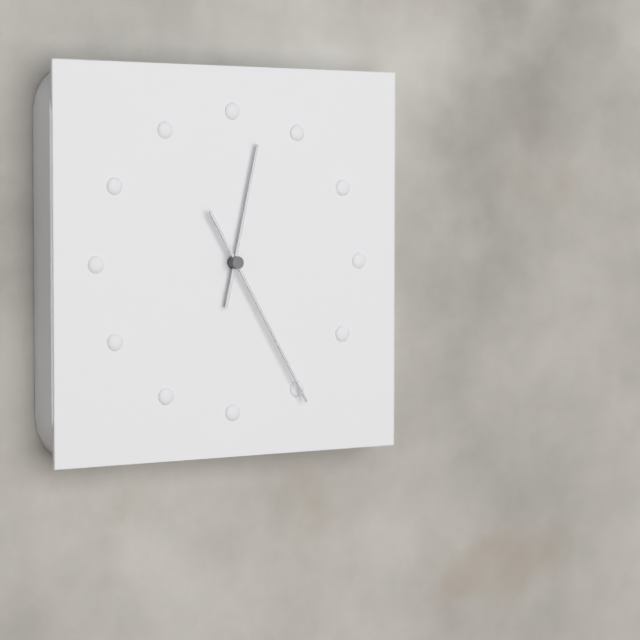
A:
12,25
